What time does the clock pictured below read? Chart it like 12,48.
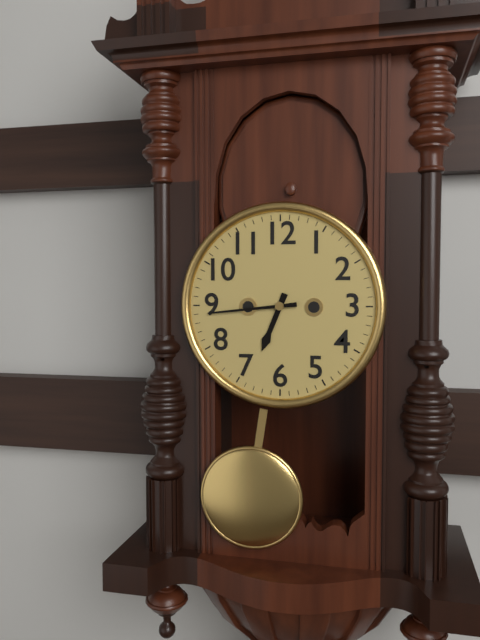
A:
6,44
